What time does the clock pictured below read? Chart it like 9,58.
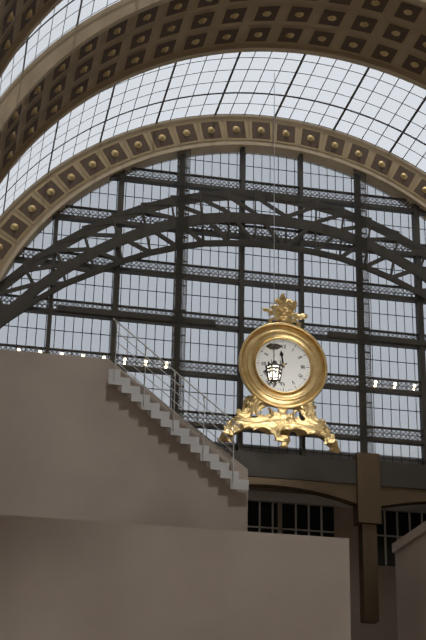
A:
11,41
